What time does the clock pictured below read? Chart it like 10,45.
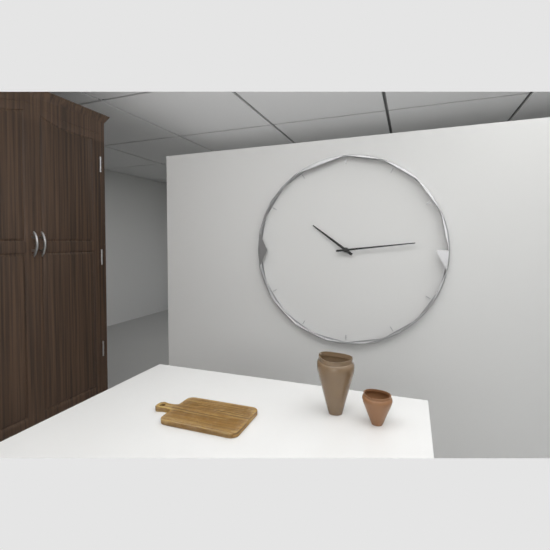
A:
10,14
